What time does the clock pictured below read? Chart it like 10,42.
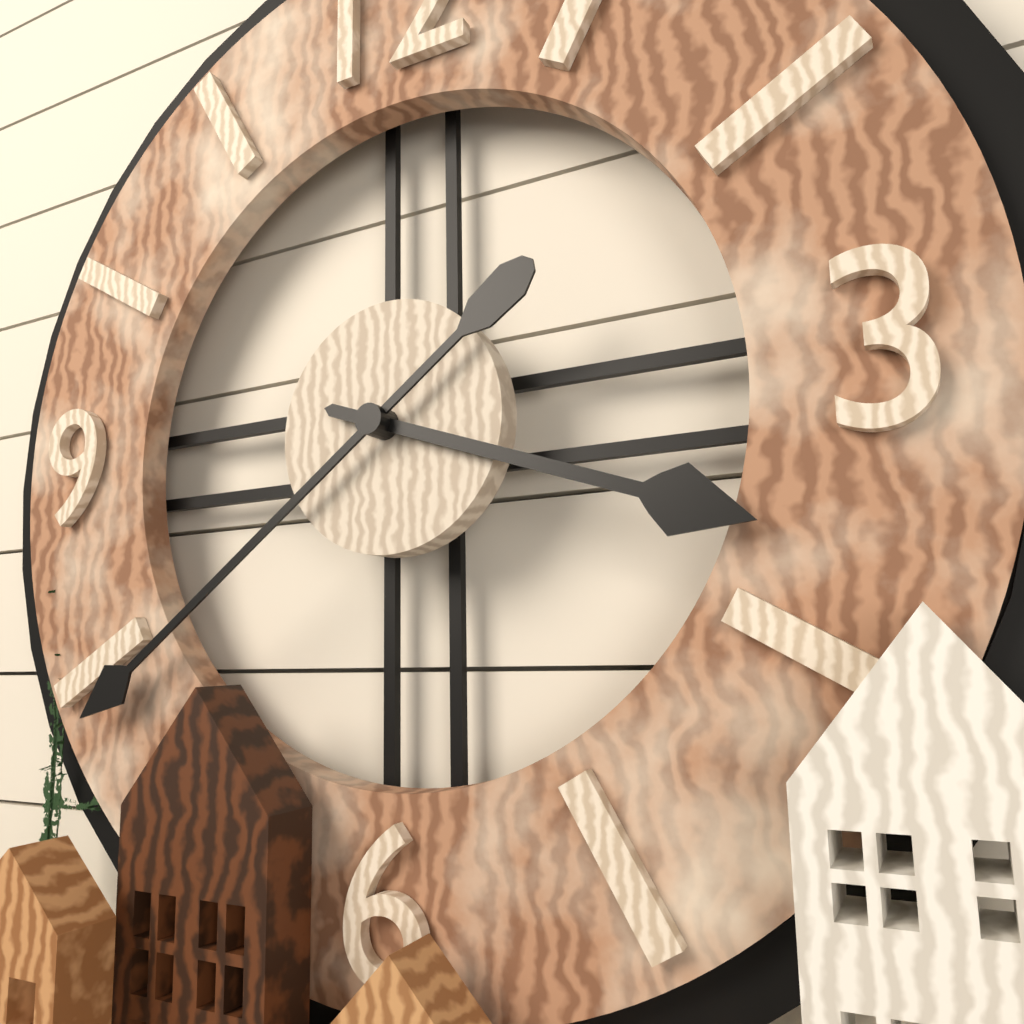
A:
3,39
